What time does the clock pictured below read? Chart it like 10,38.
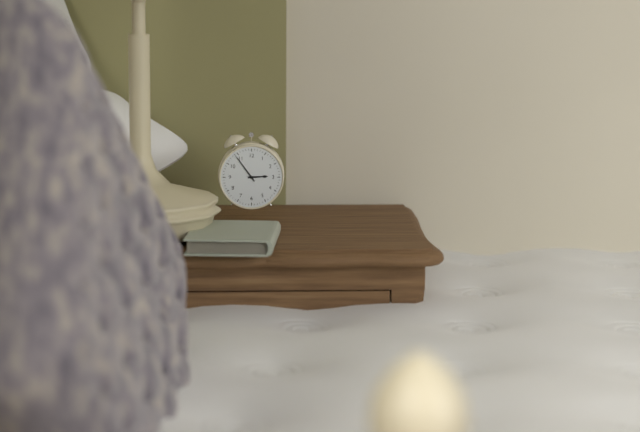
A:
2,54
